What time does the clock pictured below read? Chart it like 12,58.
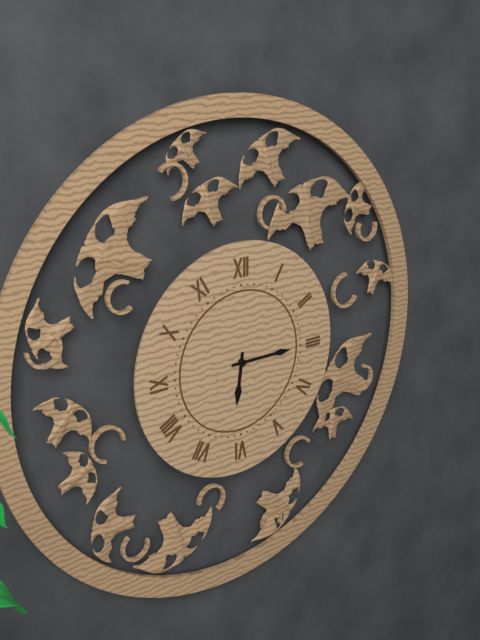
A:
6,15
